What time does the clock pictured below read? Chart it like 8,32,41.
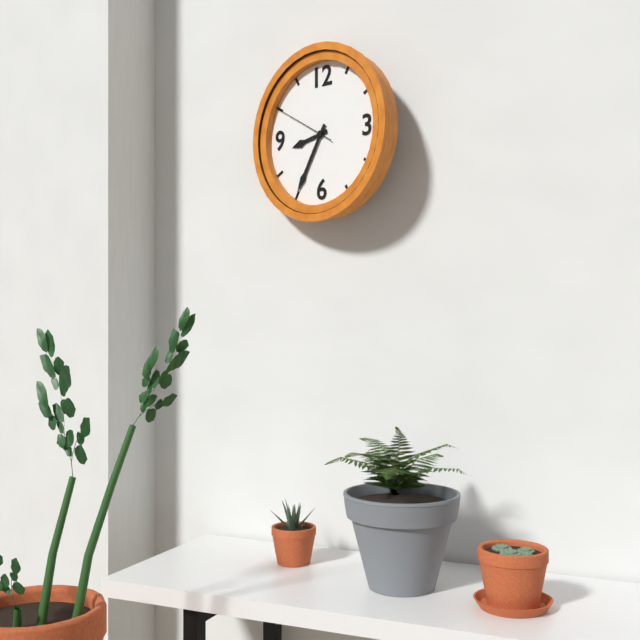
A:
8,35,50
